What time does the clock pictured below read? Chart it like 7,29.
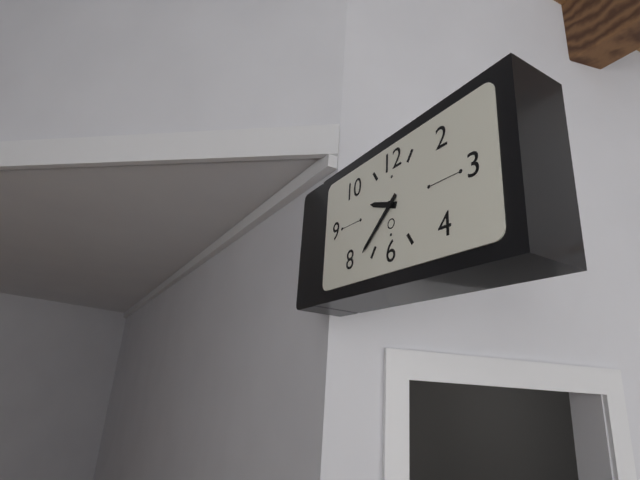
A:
9,38
